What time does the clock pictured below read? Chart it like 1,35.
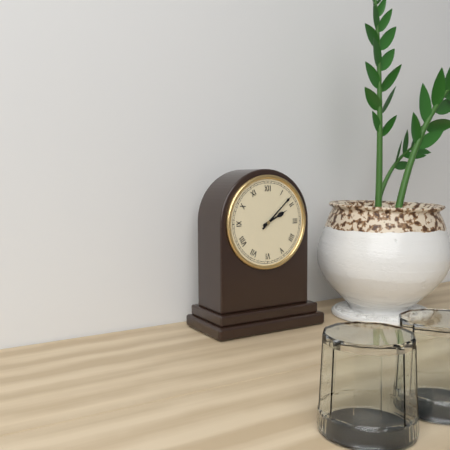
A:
2,08
